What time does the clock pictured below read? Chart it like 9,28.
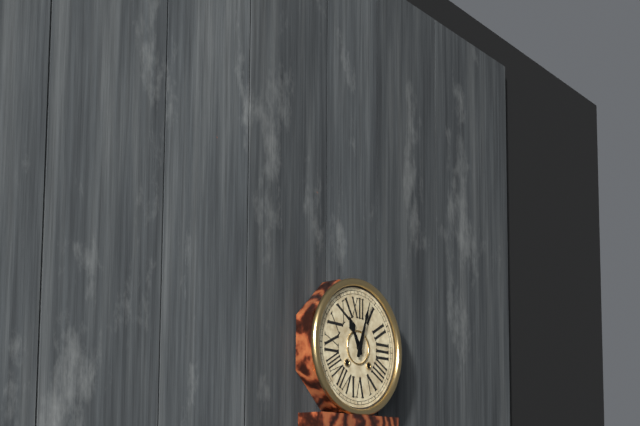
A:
11,03
